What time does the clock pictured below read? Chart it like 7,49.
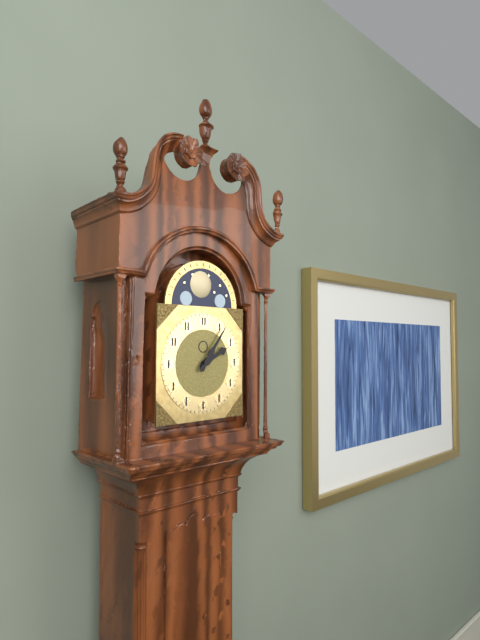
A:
2,06
